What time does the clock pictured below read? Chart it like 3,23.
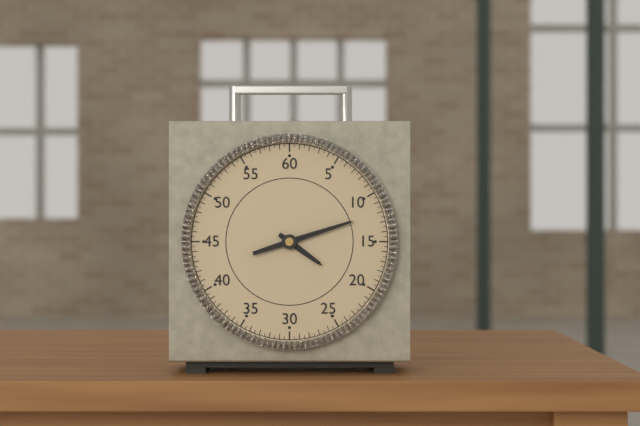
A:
4,12
